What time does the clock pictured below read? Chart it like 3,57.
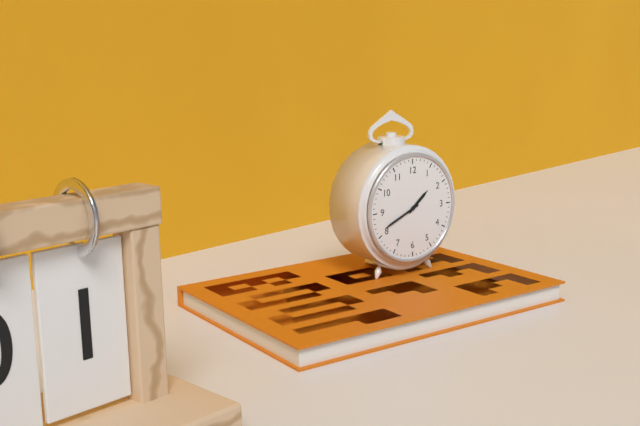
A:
1,41
